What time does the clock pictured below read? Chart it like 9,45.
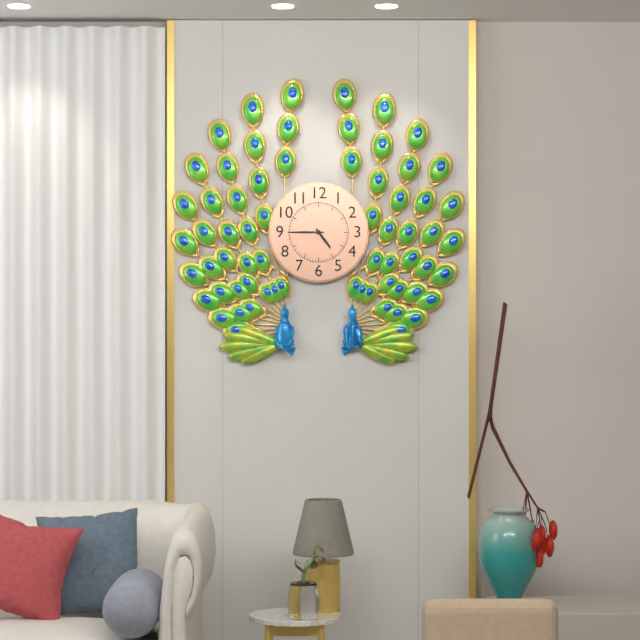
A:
4,45
